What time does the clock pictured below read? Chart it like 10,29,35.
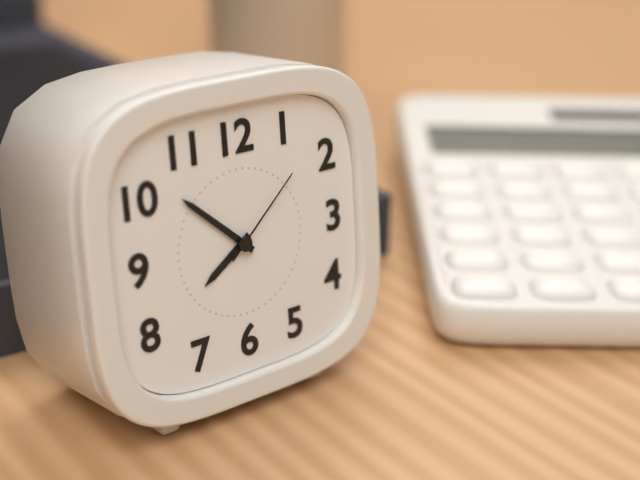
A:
7,52,08
